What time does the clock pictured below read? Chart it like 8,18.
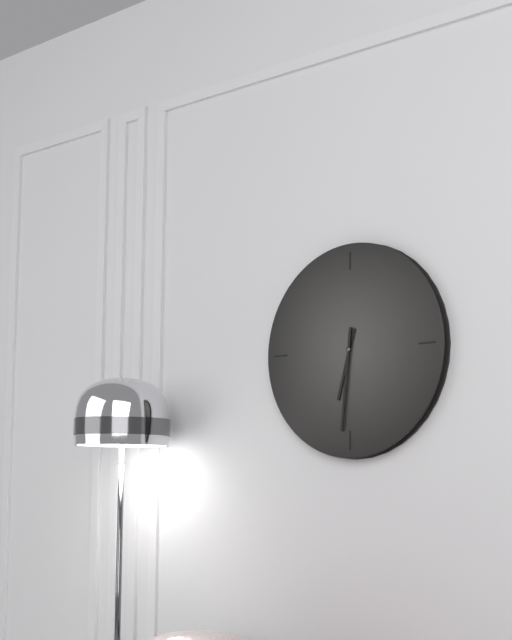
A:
6,31
